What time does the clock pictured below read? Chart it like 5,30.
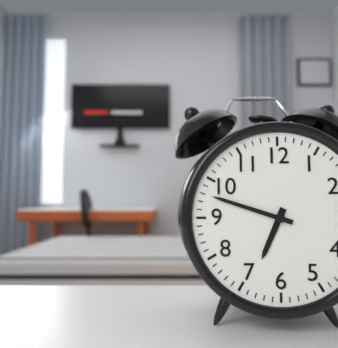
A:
6,48
